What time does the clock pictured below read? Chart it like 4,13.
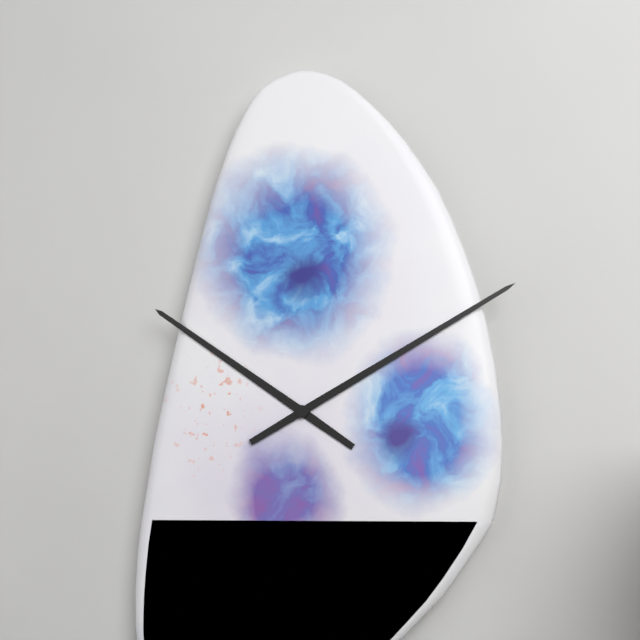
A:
10,10
